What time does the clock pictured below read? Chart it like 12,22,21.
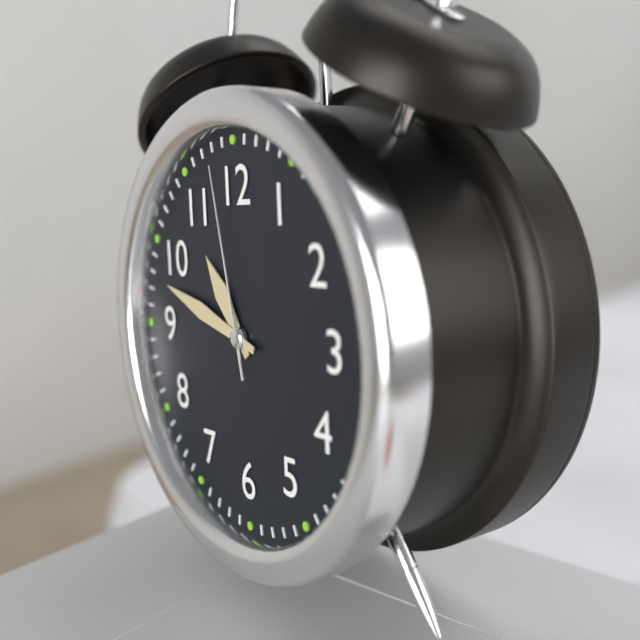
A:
10,48,58
